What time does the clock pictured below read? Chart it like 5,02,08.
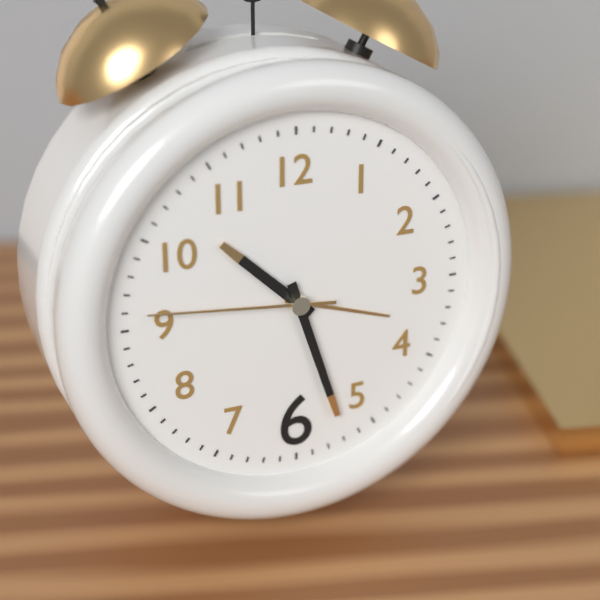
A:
10,27,46
